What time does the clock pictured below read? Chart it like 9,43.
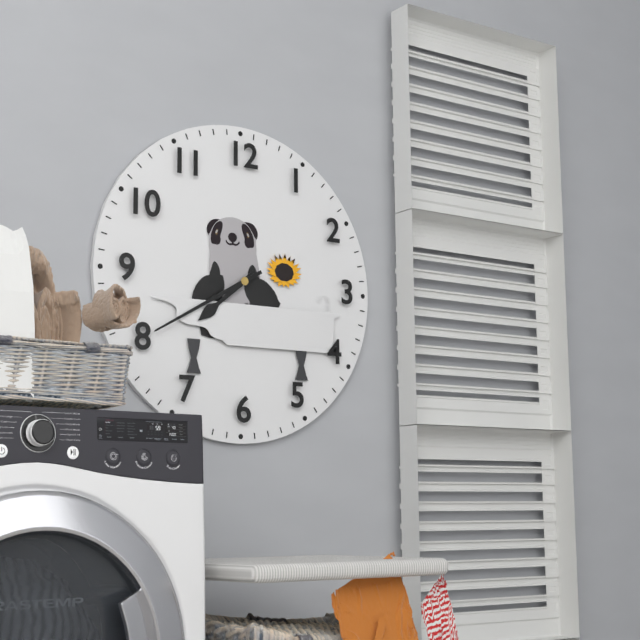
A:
7,40
